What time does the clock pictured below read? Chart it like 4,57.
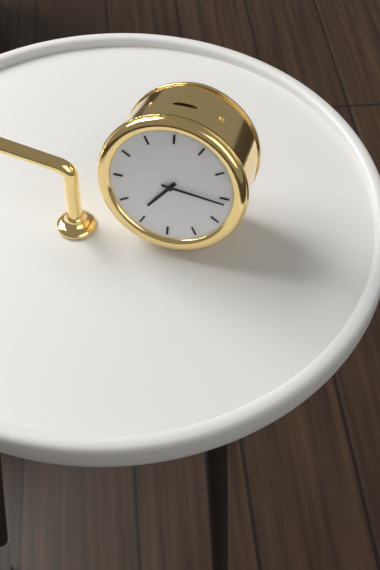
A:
7,16
